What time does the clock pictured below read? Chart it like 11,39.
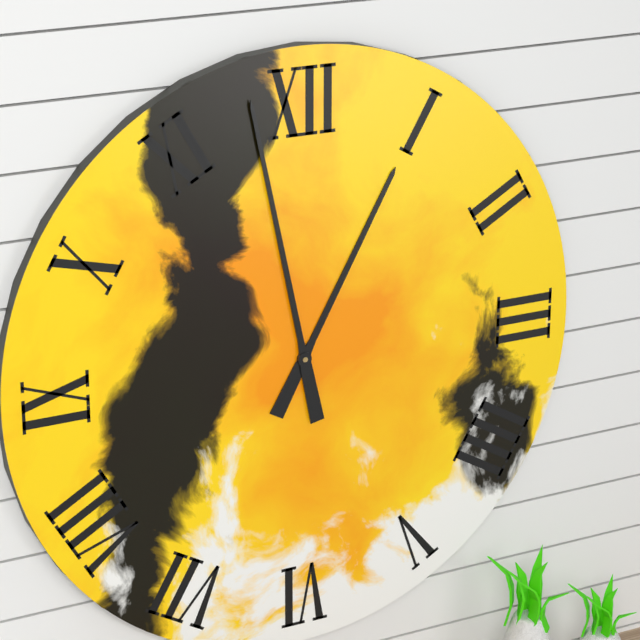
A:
12,58
